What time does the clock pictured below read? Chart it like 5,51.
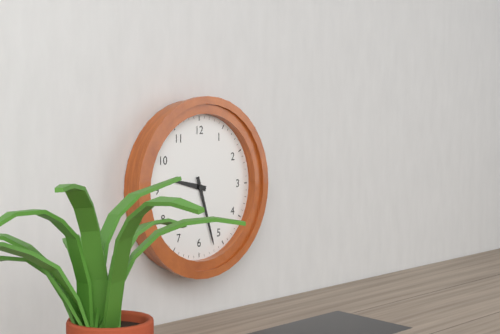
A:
9,27
